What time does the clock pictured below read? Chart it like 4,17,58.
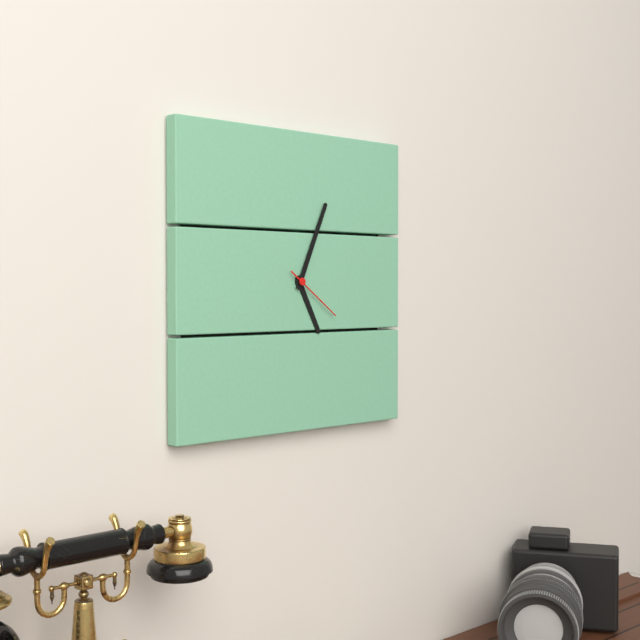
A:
5,04,21
